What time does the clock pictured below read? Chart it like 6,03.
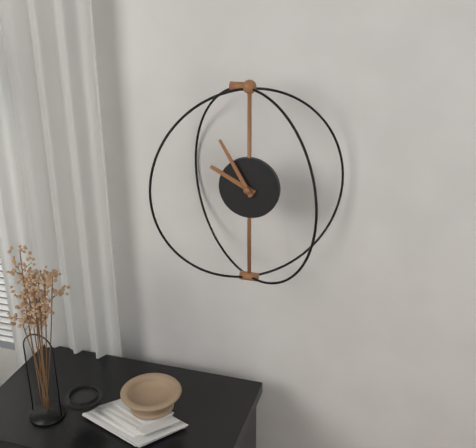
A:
9,55
